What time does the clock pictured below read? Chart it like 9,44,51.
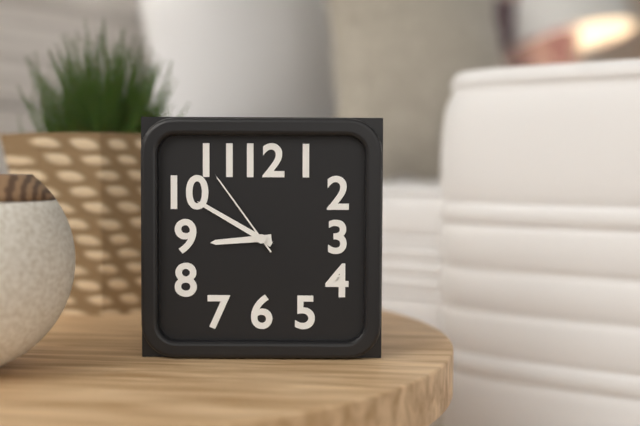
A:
8,50,54
